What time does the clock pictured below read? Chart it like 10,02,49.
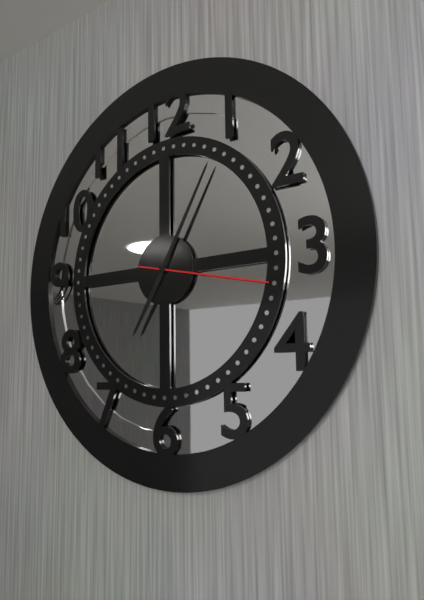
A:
7,05,17
